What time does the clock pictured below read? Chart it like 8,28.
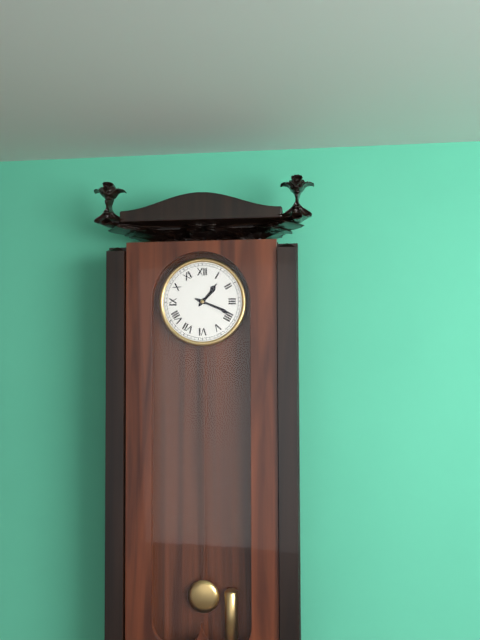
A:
1,19
